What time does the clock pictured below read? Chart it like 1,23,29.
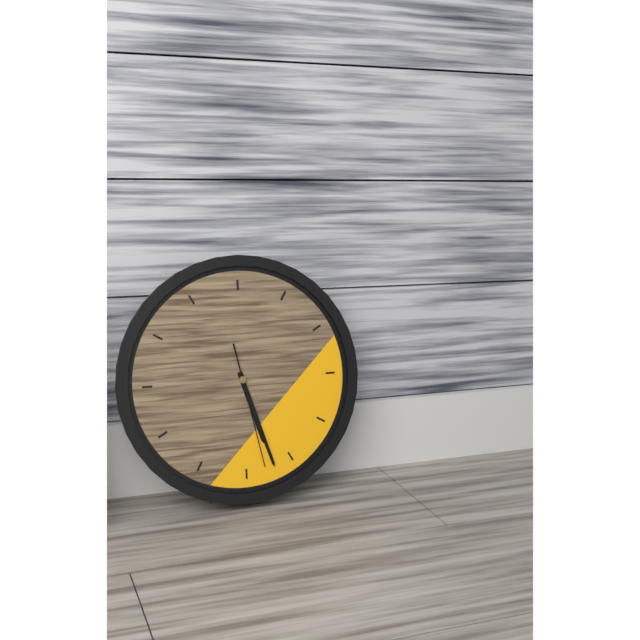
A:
5,27,28
